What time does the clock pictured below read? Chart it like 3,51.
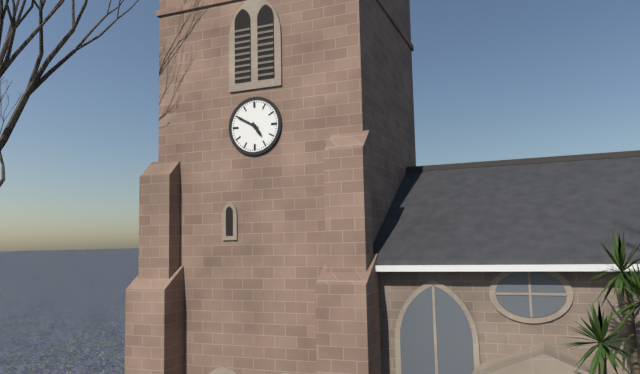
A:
4,50
